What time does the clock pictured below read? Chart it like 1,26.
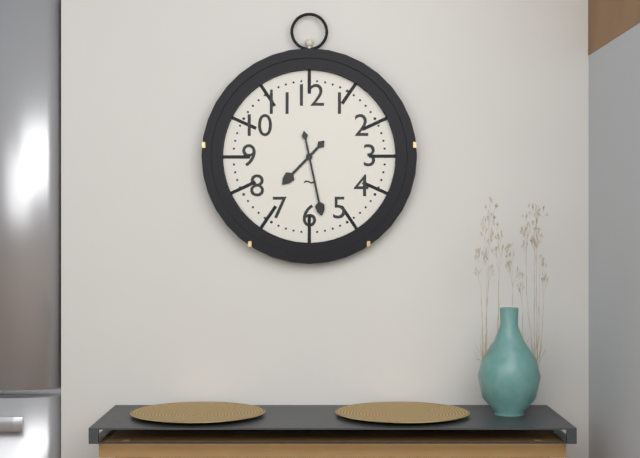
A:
7,28
